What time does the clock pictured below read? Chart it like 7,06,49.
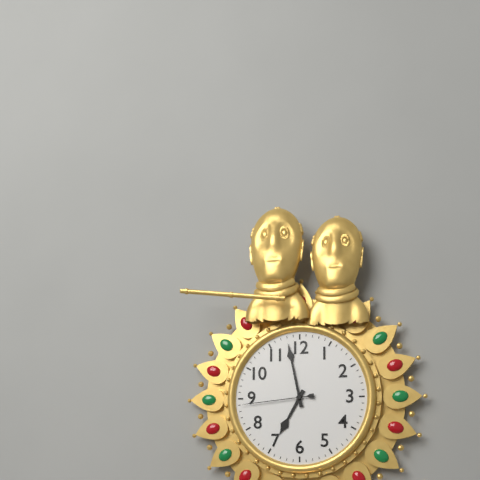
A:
6,58,44
